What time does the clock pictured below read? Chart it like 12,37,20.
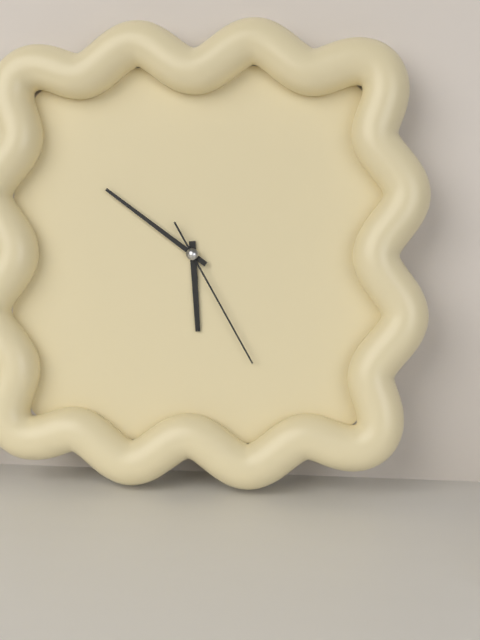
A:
5,51,25
